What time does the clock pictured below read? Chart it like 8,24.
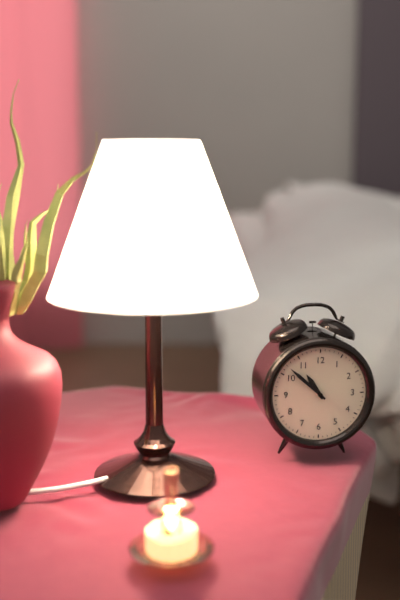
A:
10,52
